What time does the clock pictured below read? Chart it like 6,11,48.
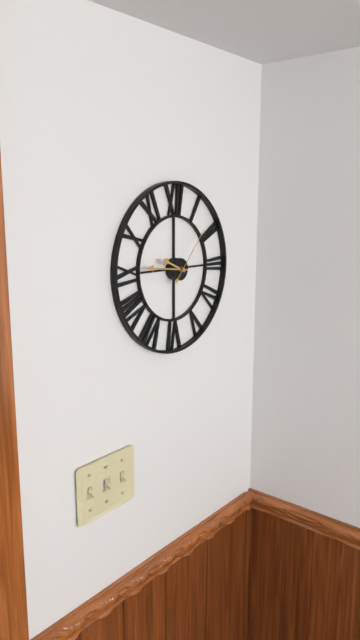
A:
9,46,07
